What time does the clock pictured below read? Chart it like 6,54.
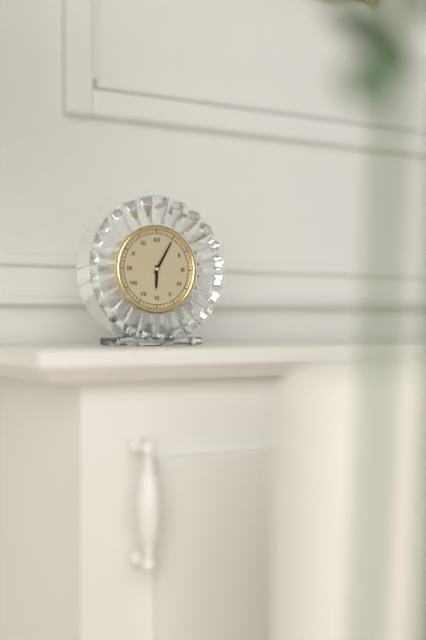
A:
6,05
